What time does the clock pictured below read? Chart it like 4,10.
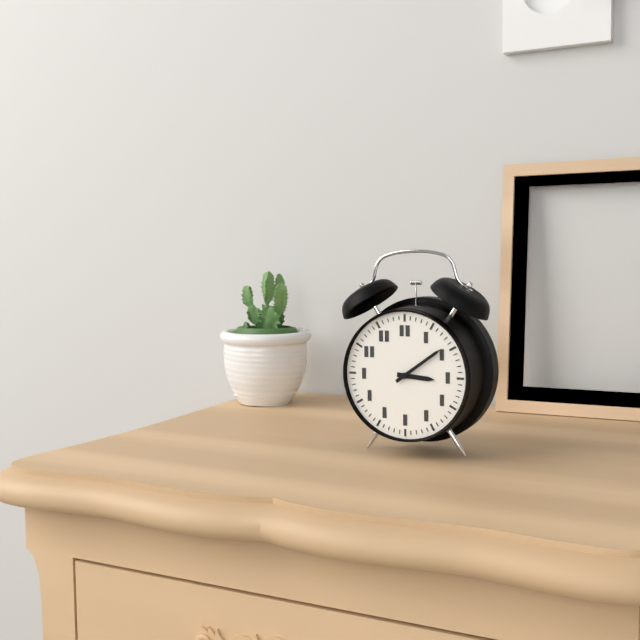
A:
3,09
